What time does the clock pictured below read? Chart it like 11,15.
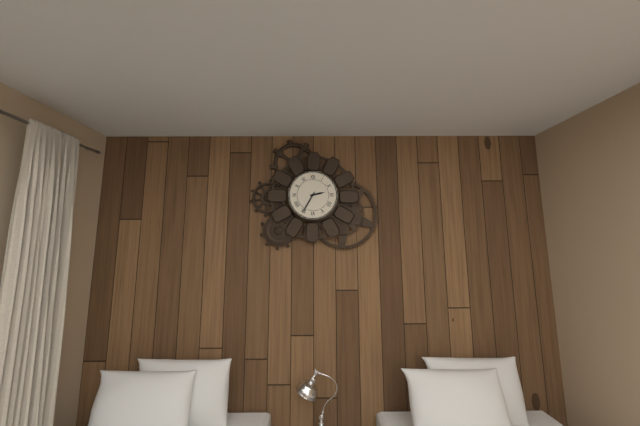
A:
2,35
